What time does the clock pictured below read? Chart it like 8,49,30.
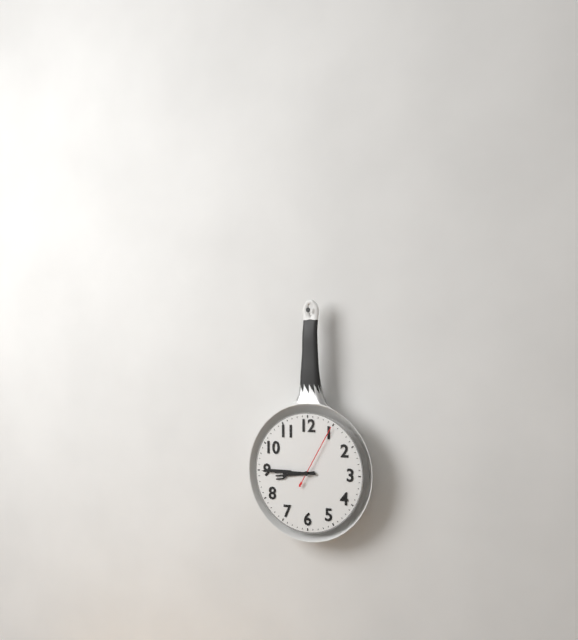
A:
8,45,05
